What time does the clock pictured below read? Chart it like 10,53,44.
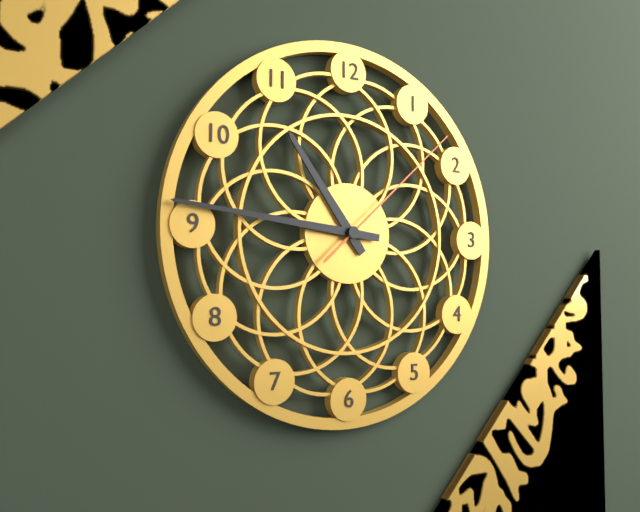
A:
10,46,08
